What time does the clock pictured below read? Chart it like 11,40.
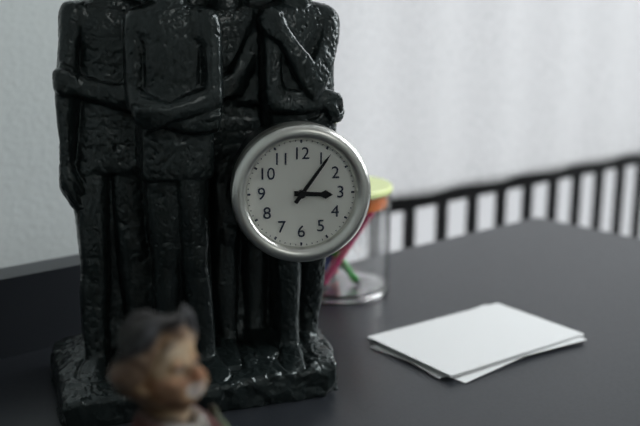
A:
3,06
